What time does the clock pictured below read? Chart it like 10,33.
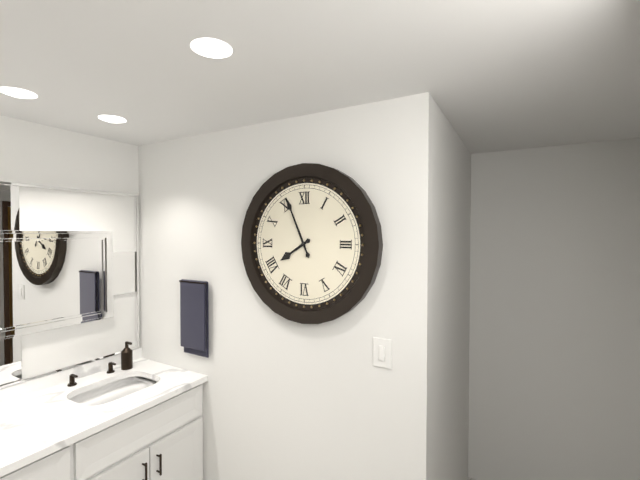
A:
7,56
